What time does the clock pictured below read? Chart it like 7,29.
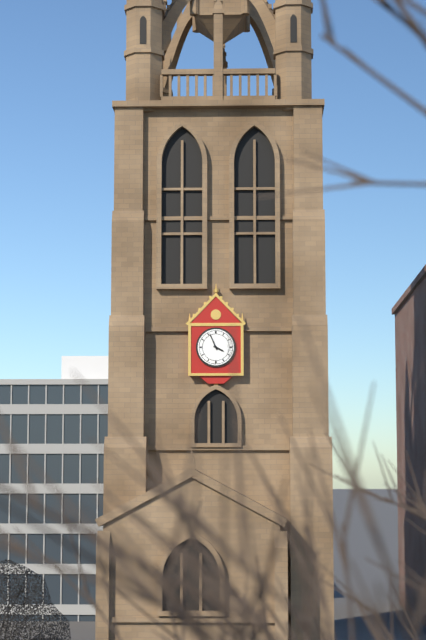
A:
3,56
